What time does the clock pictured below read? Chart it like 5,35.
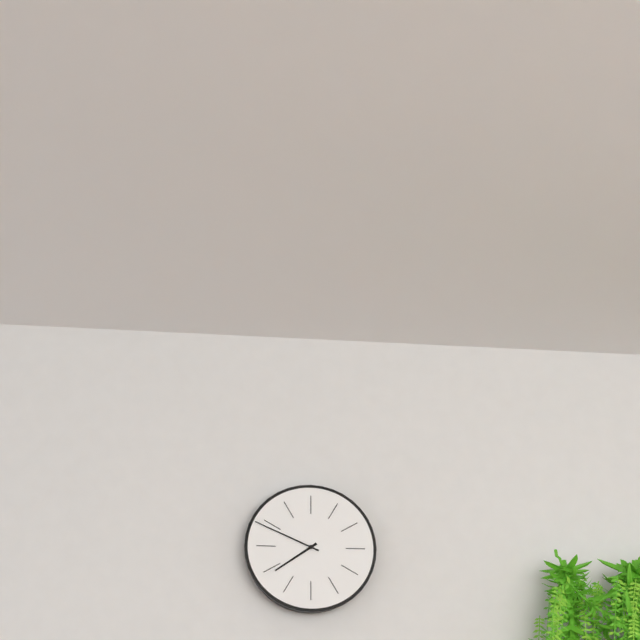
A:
7,49
